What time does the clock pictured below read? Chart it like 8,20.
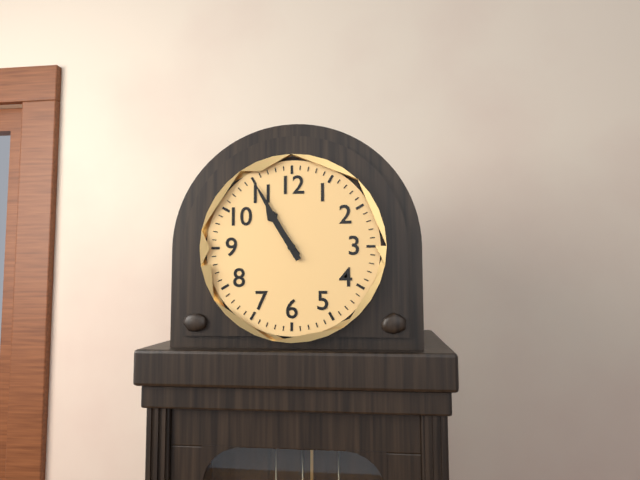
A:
10,55
